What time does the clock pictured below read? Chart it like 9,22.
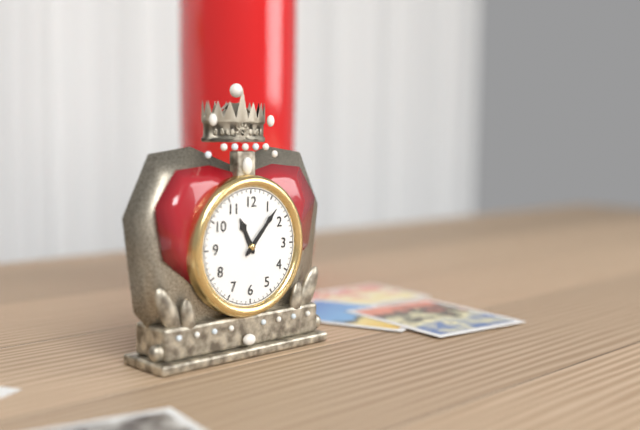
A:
11,07
